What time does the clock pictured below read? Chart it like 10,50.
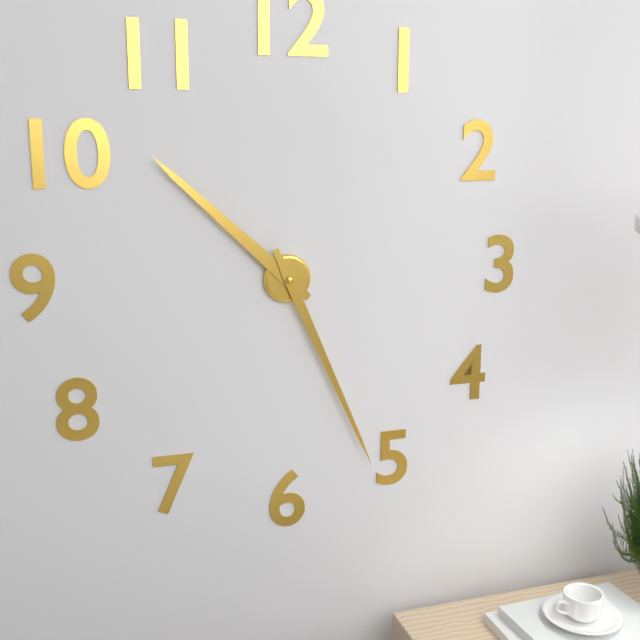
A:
10,26
